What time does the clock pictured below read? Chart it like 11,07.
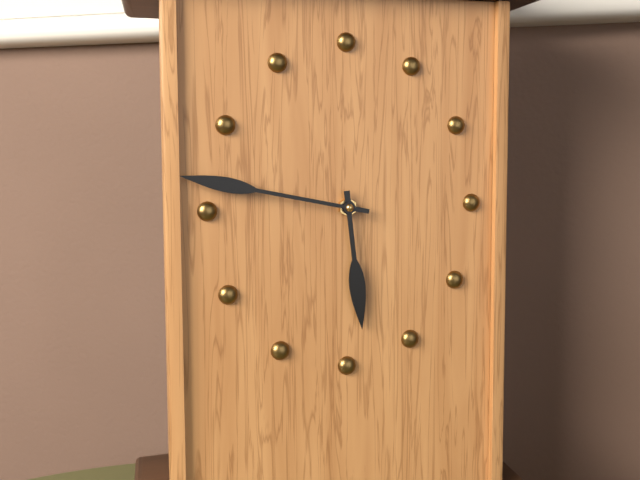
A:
5,47
